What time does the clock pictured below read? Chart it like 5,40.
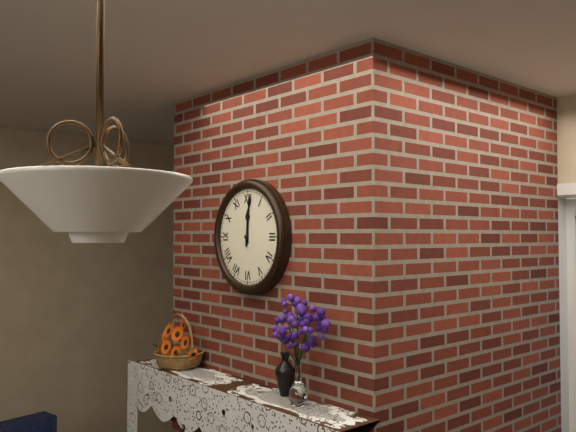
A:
12,01
